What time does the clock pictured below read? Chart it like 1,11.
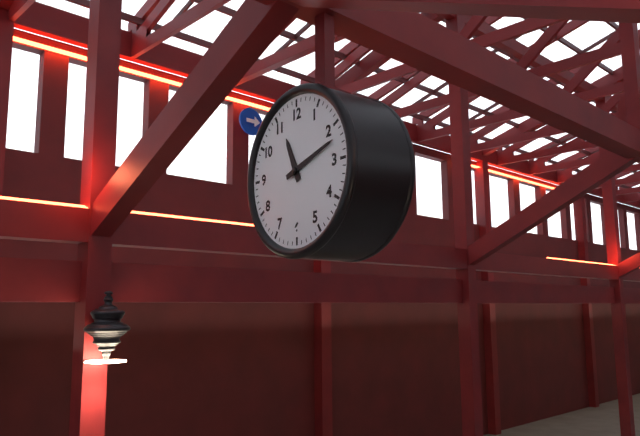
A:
11,12
